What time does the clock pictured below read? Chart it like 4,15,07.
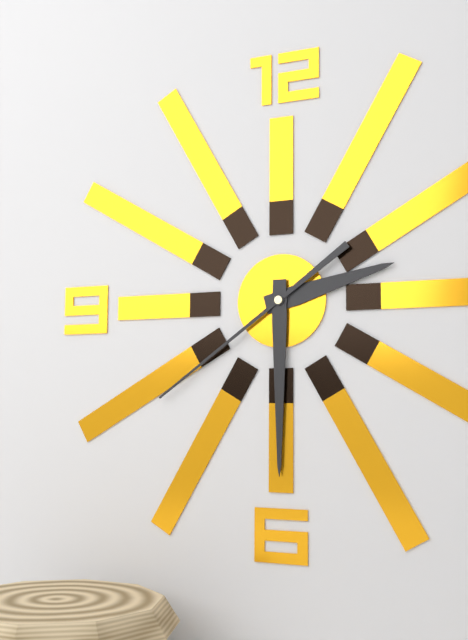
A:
2,30,39
